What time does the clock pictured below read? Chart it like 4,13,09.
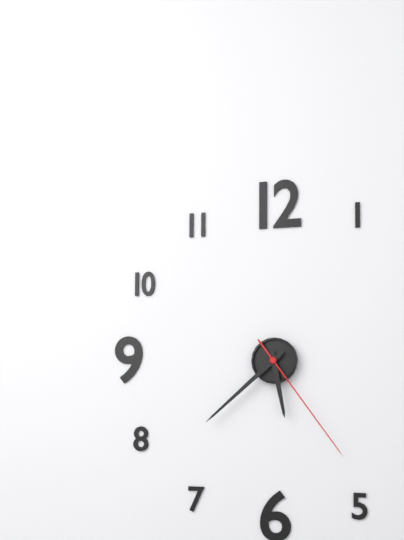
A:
5,38,24
